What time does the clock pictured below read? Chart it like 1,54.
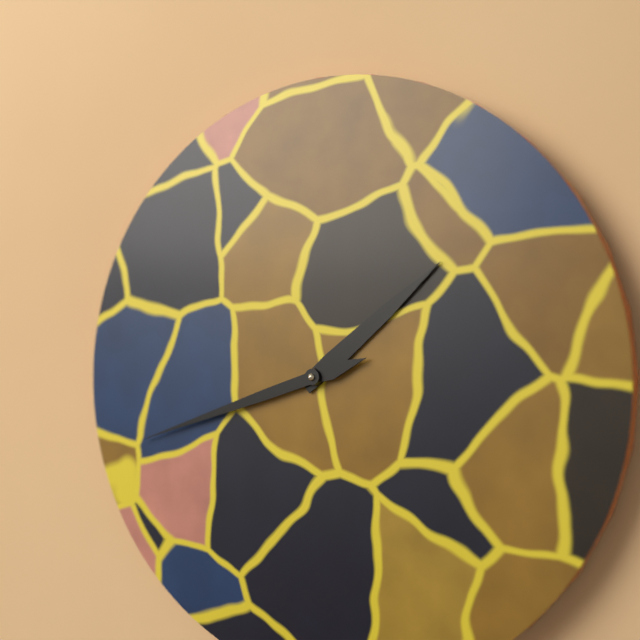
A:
1,42
